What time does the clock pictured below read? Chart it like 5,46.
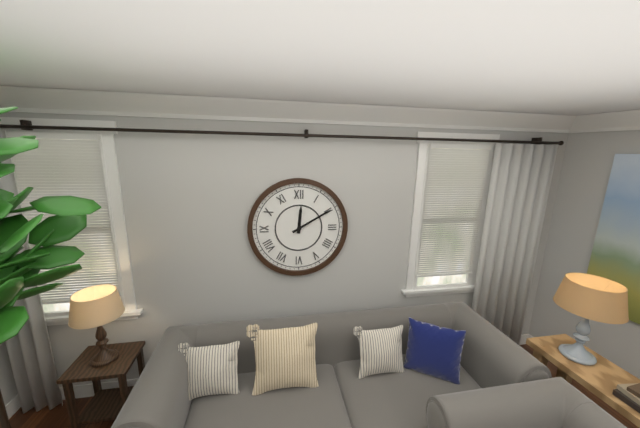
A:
12,10
